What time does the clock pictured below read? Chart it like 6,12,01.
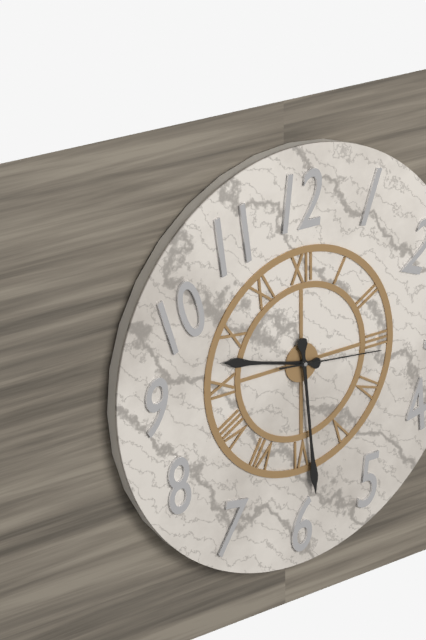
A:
9,29,16
